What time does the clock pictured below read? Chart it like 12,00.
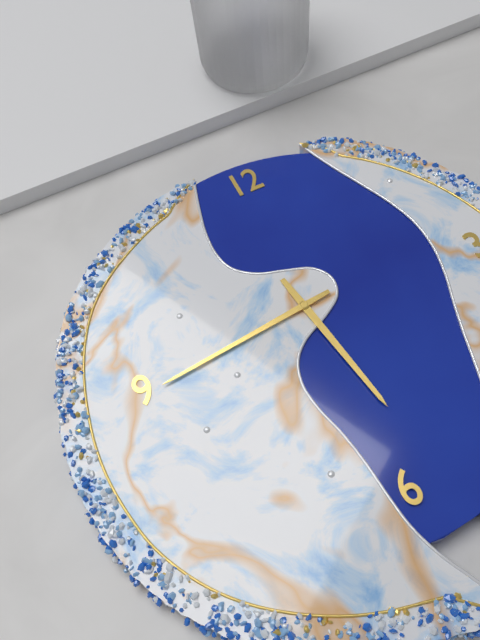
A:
5,44
